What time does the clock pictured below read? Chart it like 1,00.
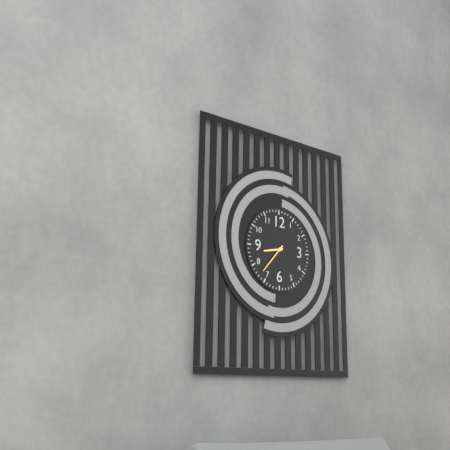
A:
8,37
